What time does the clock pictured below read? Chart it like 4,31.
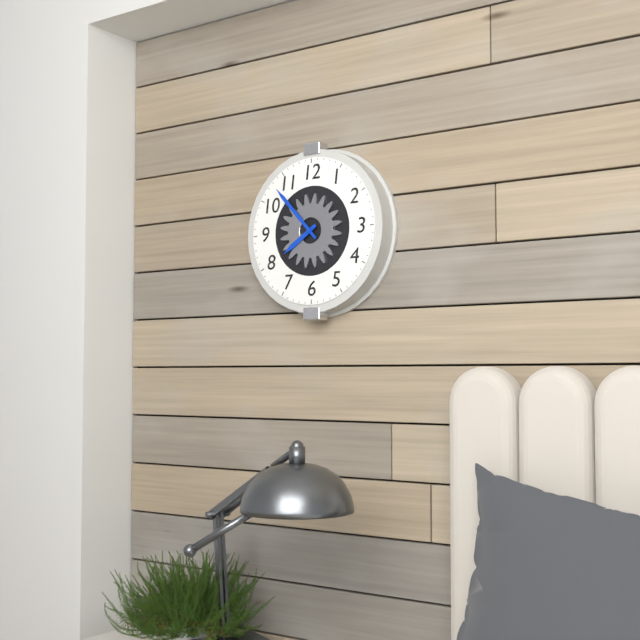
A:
7,53
